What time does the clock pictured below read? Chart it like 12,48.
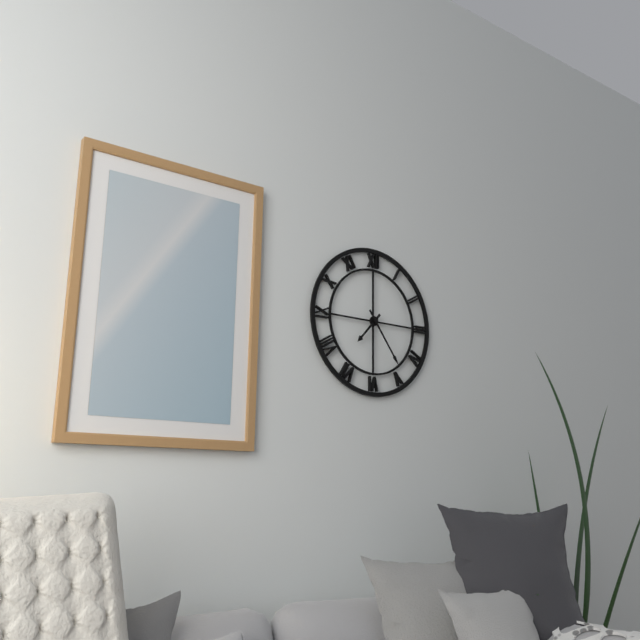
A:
7,24
